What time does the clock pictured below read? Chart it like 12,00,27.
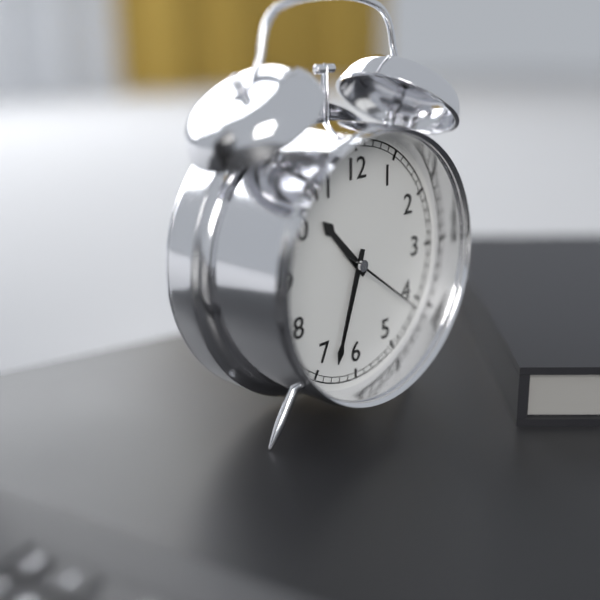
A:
10,33,21
